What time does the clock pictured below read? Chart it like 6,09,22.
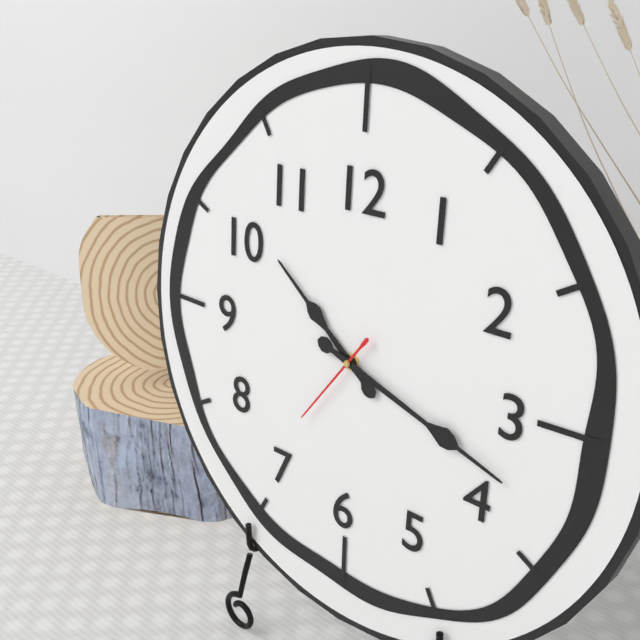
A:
10,18,36
